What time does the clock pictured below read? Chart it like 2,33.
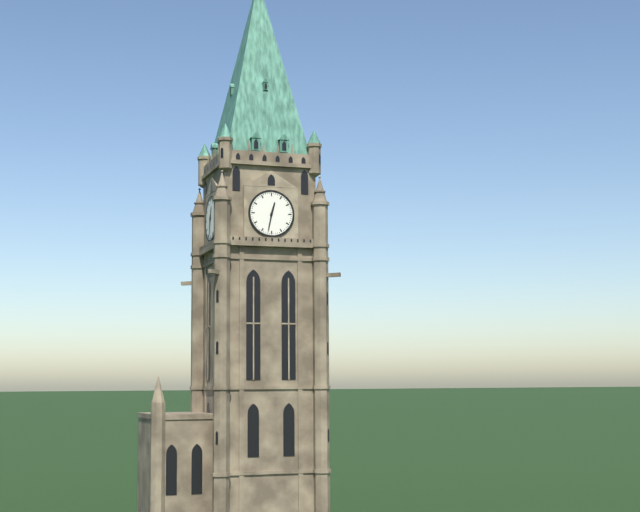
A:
12,32
